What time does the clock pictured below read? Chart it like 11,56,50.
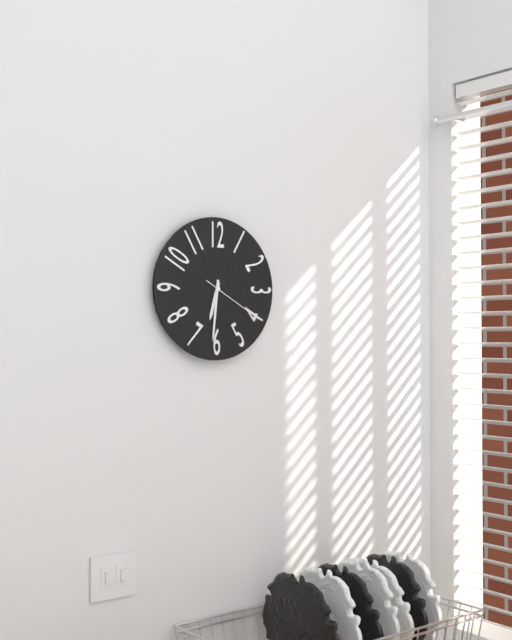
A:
6,31,20
